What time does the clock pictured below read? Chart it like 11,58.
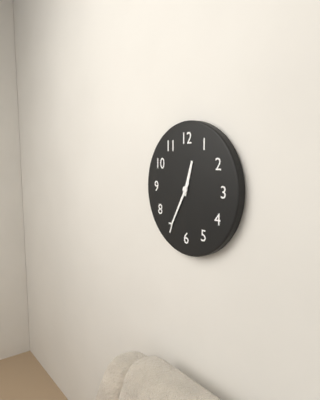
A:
12,35
